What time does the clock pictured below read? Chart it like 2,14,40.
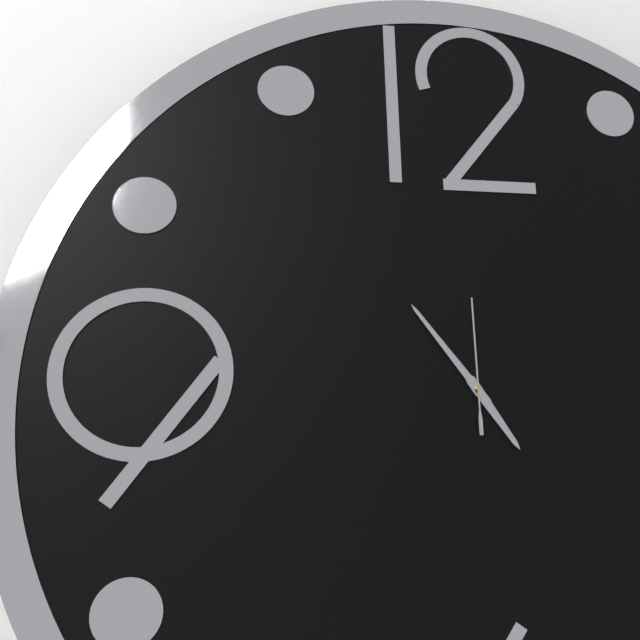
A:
4,54,00
